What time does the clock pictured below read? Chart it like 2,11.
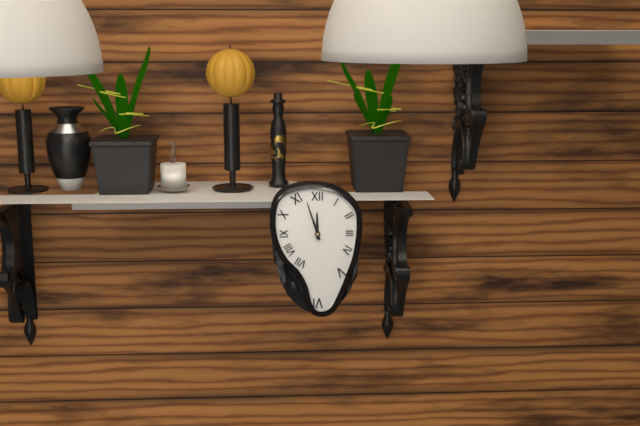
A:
11,57
